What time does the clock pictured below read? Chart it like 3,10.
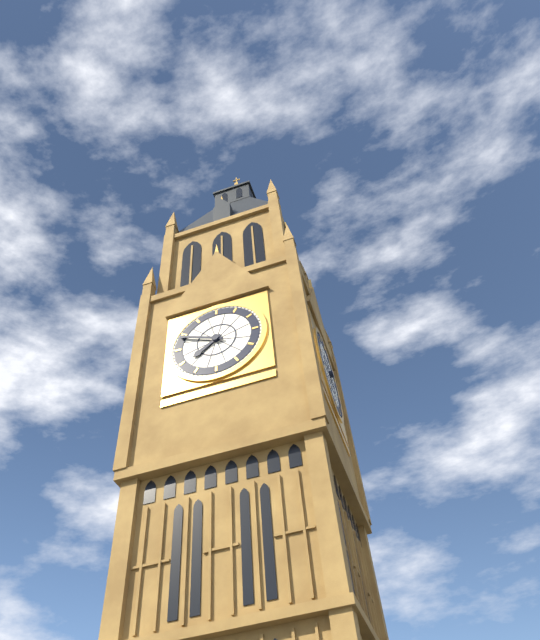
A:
7,49
